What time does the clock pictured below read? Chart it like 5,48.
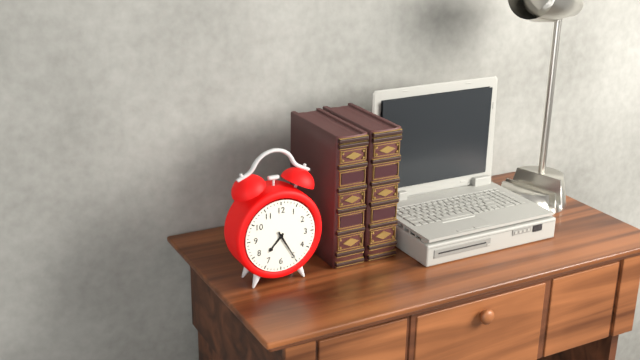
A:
7,25
